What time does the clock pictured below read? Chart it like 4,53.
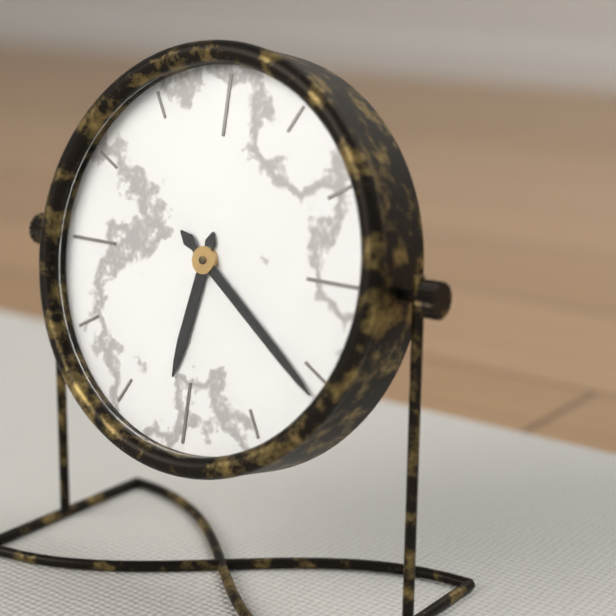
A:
6,21
